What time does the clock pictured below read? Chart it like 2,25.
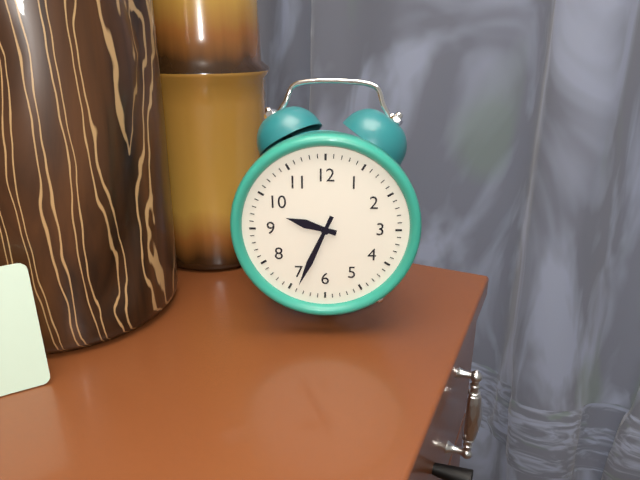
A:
9,34
